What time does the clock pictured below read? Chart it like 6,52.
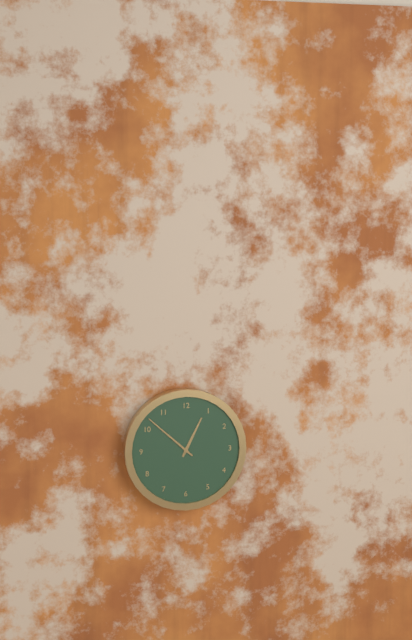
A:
12,52
